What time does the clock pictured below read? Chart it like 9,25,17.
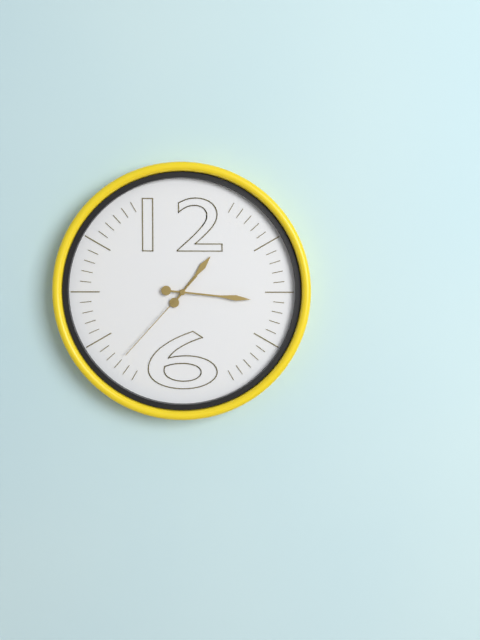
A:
1,16,37
